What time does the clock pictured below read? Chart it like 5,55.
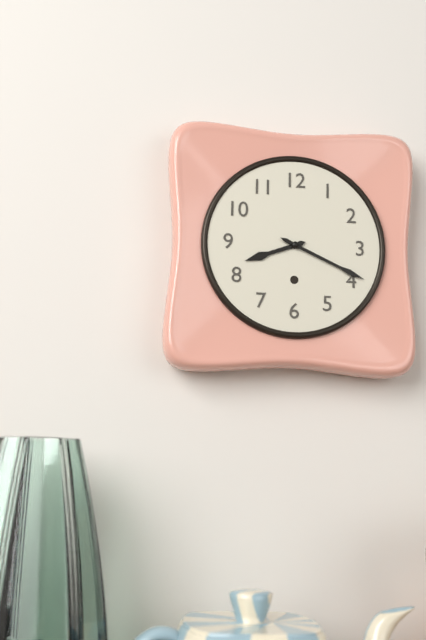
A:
8,19
